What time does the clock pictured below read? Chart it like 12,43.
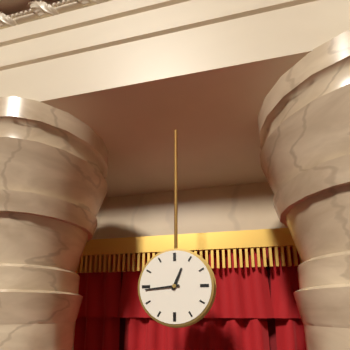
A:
12,44
